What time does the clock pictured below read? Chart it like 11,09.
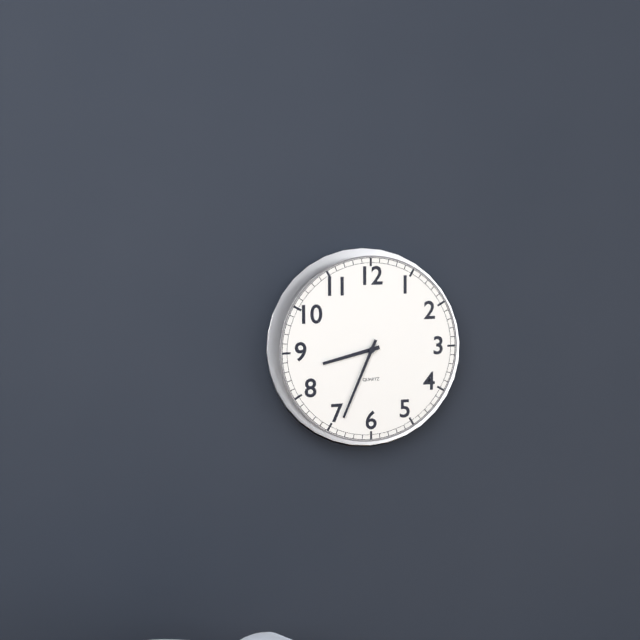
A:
8,34
